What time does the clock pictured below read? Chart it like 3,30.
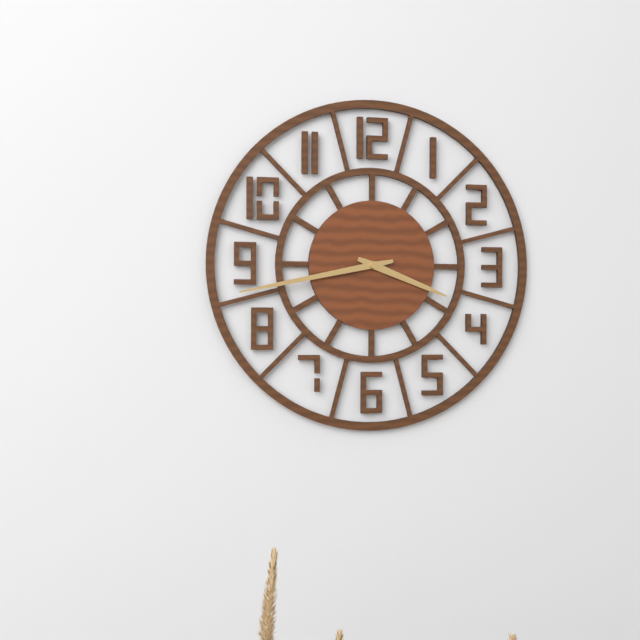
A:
3,43
